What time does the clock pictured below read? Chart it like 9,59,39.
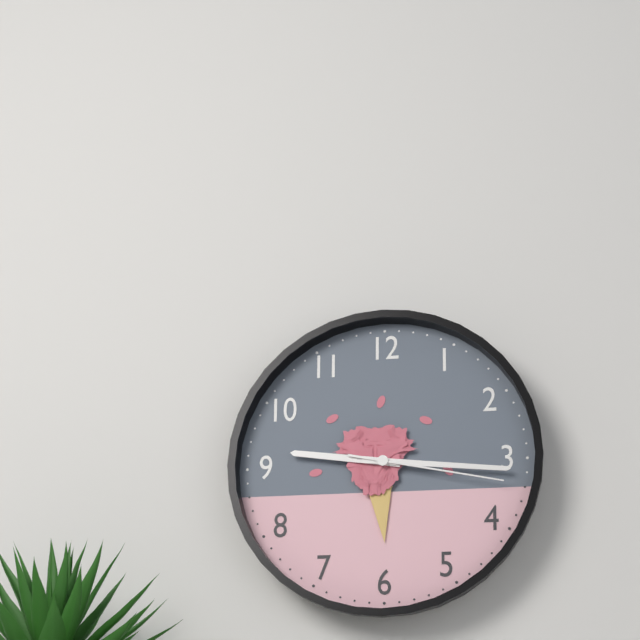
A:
9,16,17
